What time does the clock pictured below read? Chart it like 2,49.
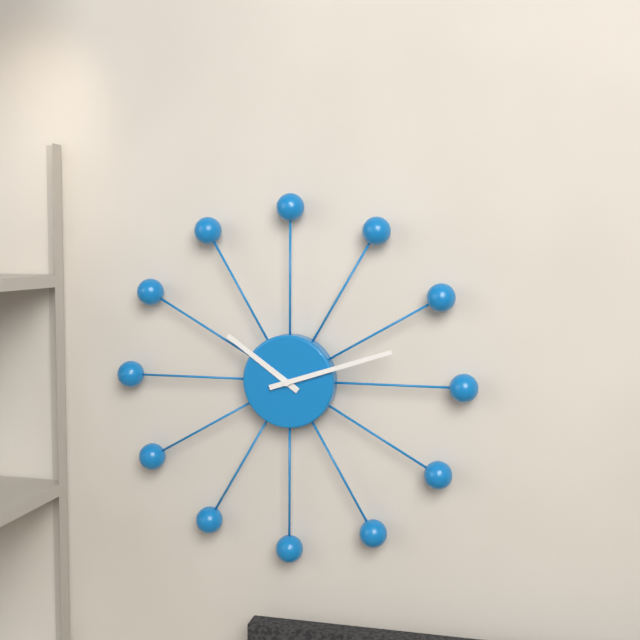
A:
10,12
